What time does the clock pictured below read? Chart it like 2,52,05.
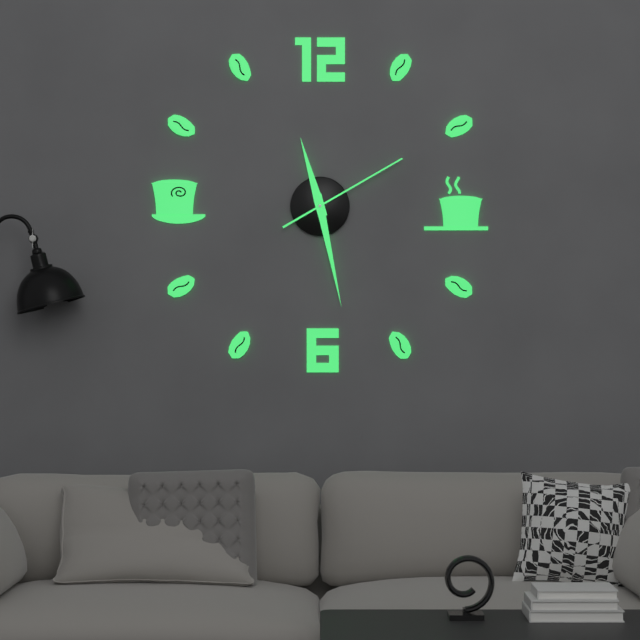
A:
11,28,10
